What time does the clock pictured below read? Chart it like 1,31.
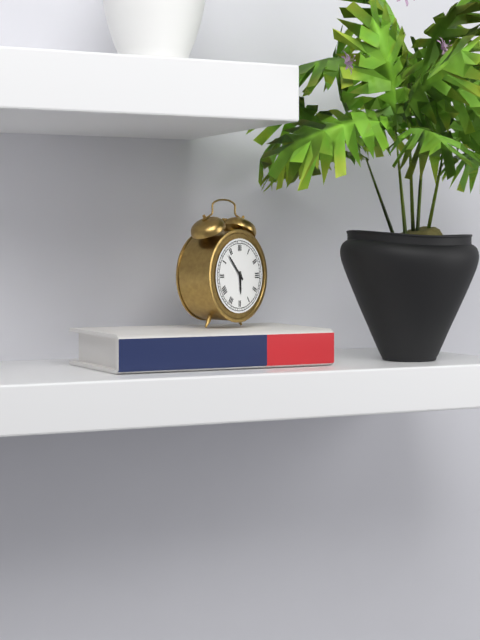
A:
5,53
